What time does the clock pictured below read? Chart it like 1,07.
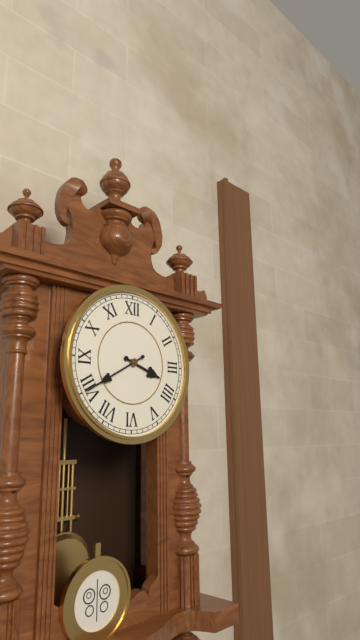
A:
3,40
